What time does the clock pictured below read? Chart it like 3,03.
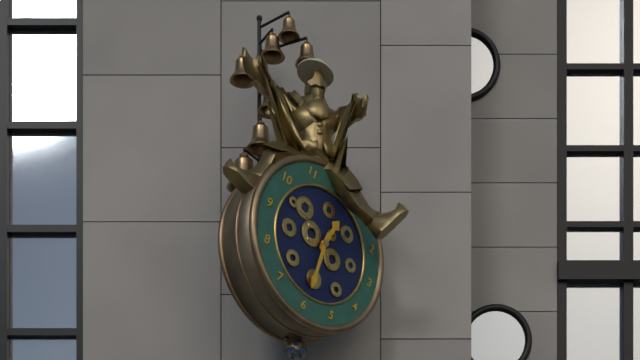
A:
12,30
